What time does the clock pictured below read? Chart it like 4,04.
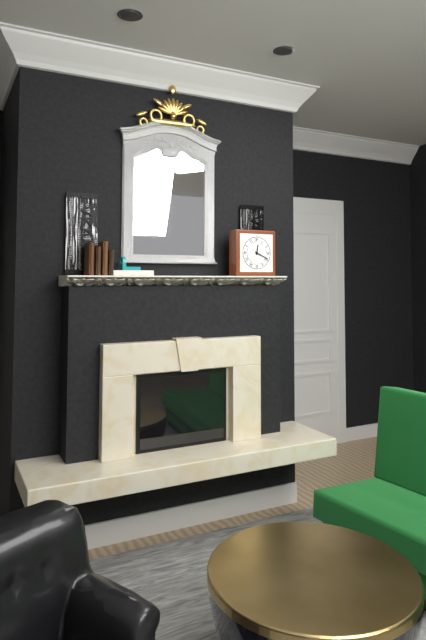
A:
12,19
